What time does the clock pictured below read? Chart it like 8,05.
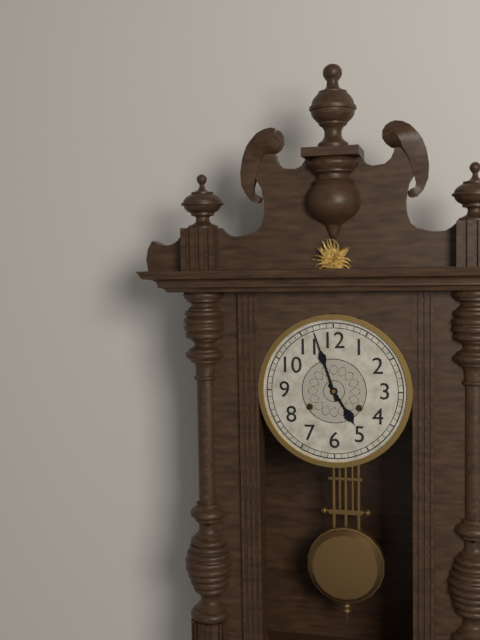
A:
4,57
